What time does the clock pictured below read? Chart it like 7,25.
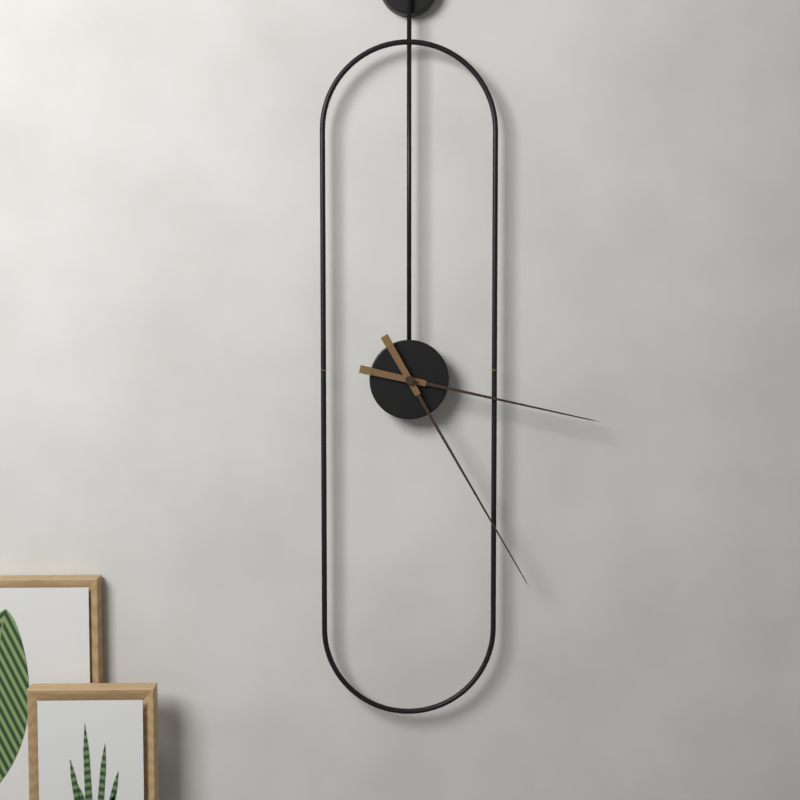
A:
3,25
